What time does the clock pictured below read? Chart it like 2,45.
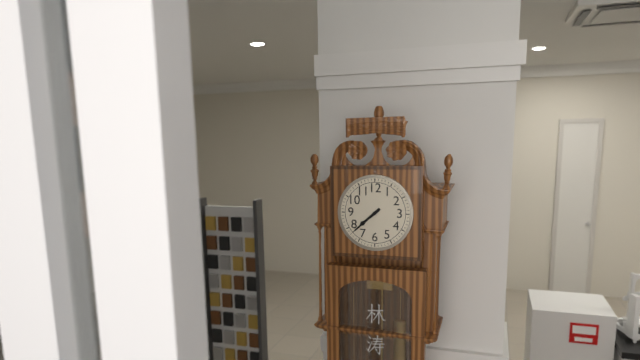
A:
7,38
